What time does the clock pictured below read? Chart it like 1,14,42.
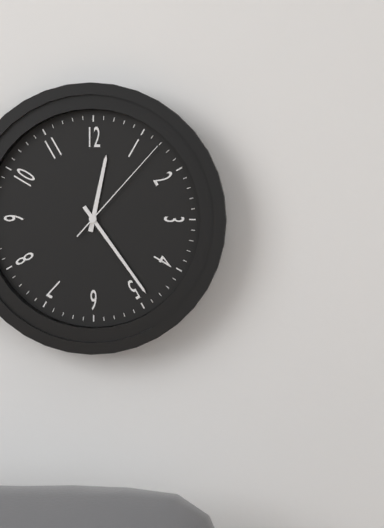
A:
12,24,07
